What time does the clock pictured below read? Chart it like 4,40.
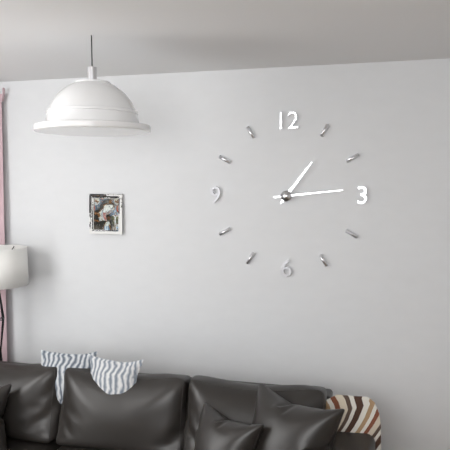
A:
1,14
